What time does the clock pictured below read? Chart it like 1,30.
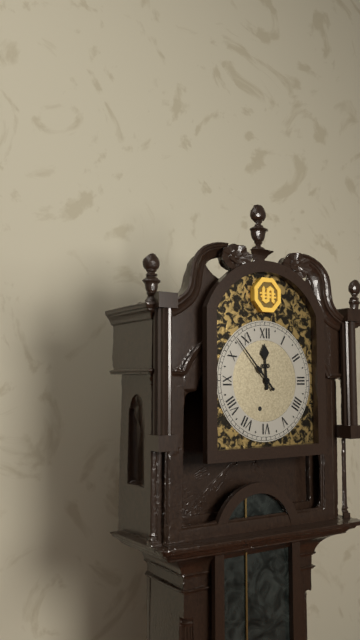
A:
11,53
